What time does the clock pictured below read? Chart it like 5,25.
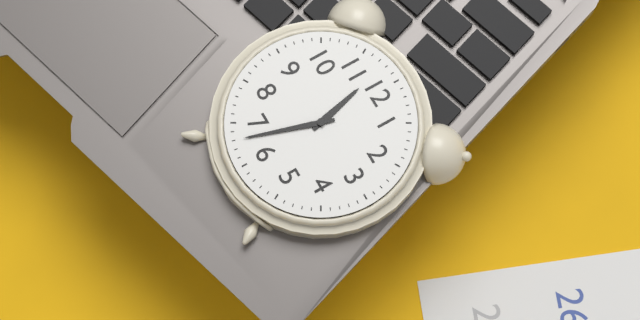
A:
11,33
